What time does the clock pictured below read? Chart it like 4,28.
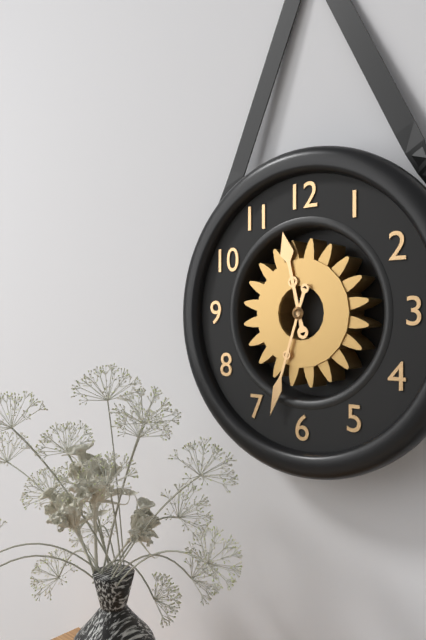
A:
11,33
